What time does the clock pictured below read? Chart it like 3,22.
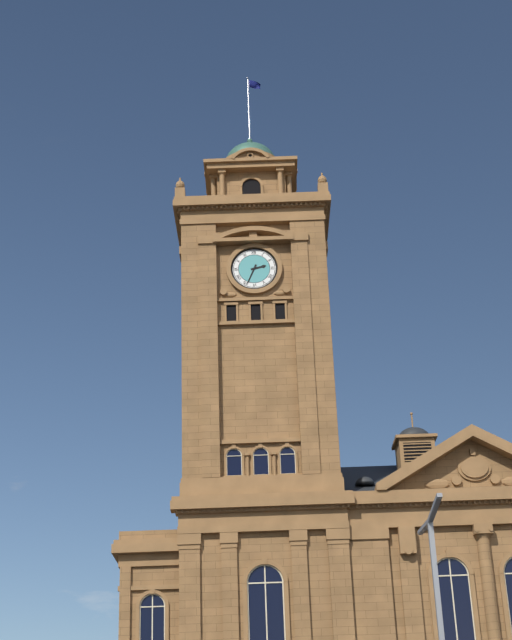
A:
2,34
